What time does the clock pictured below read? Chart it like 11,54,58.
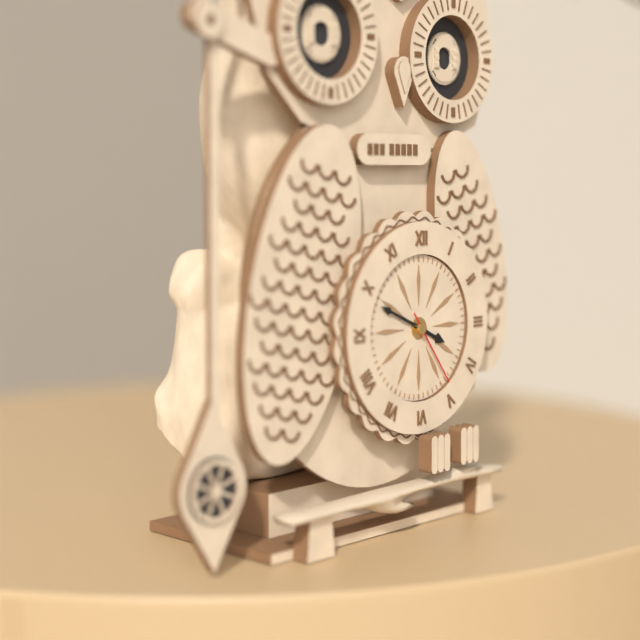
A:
3,49,24
